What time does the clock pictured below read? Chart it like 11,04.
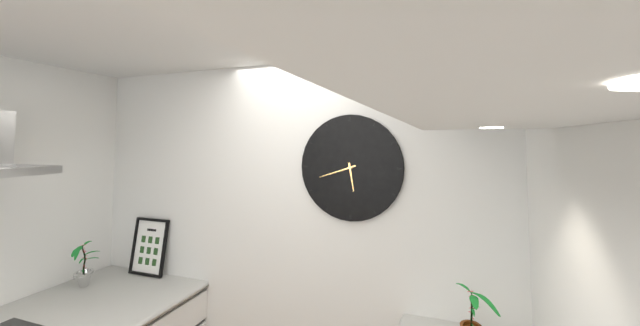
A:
5,42
